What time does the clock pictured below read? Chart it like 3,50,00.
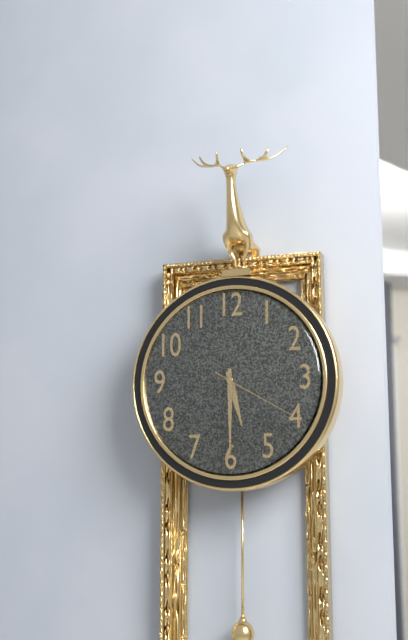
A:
5,30,20
